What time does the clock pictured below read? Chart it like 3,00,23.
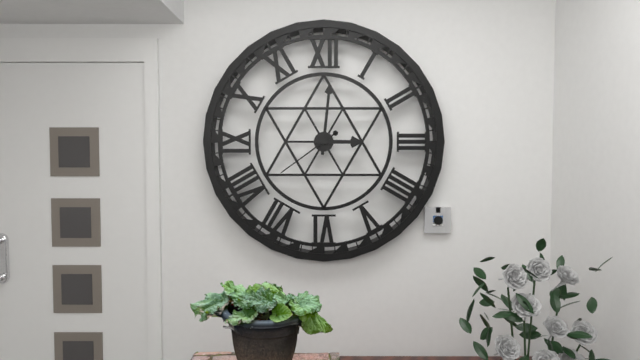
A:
3,01,39
